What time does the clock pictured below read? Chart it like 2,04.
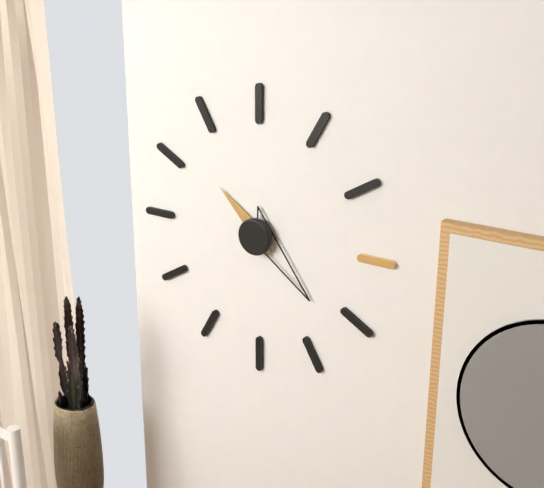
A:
10,22
